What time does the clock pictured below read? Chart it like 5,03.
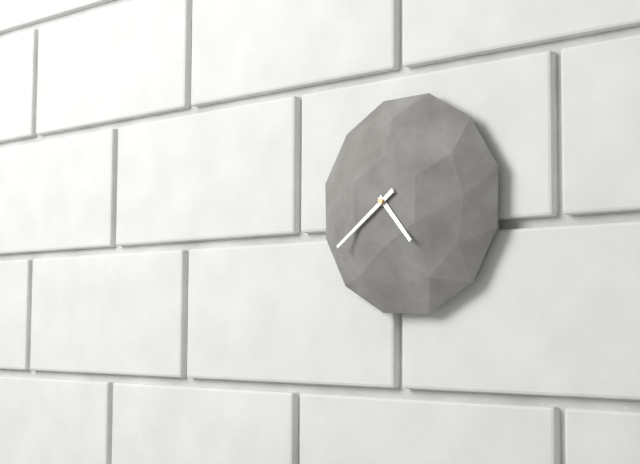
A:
4,39
